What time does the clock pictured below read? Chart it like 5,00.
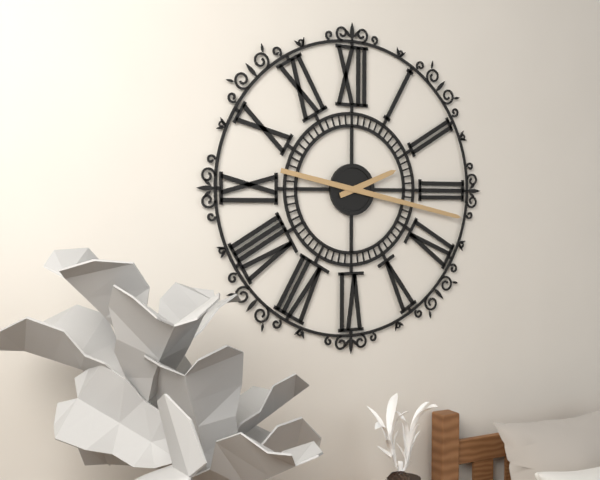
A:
2,17
